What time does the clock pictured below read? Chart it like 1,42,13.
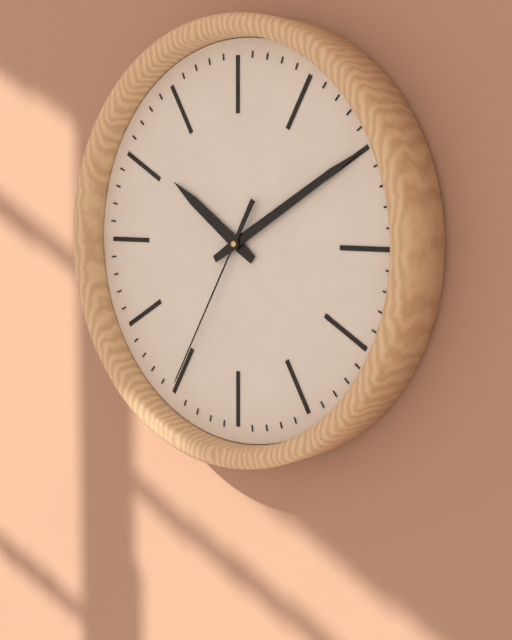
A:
10,10,35
